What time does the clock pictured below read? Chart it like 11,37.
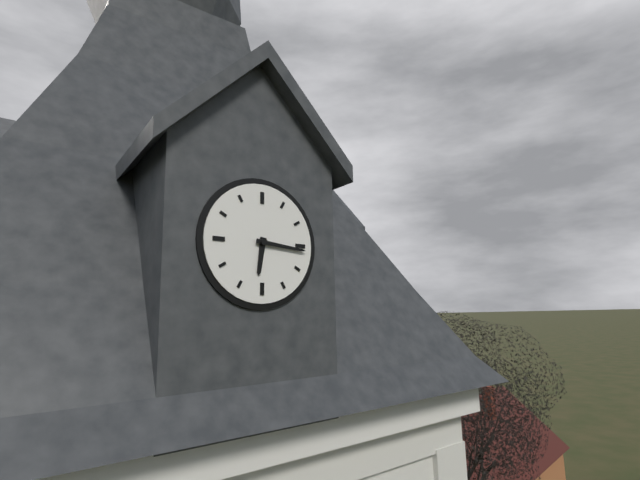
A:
6,16
